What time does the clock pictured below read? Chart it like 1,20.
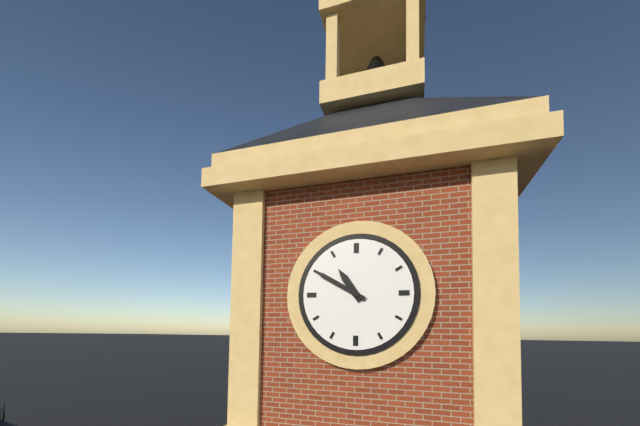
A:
10,50
